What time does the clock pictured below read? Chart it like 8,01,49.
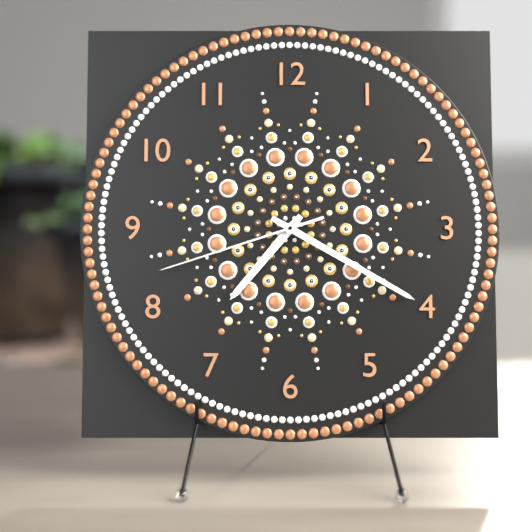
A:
7,20,42
